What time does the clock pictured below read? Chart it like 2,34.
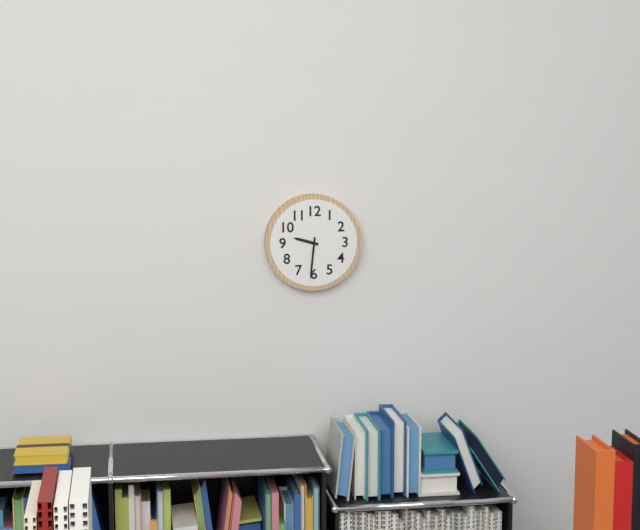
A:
9,31
